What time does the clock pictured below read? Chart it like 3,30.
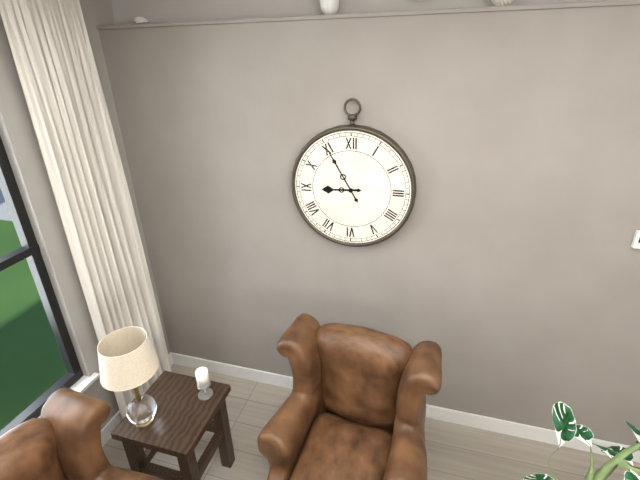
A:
8,55
